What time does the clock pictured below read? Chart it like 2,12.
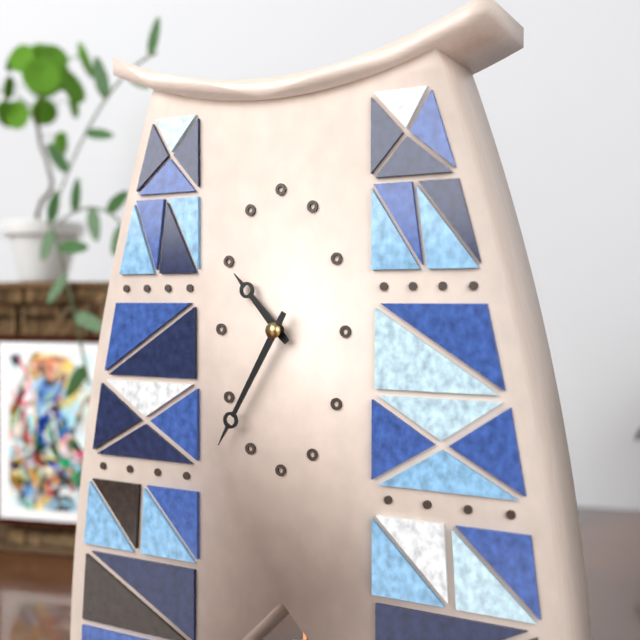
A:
10,35
